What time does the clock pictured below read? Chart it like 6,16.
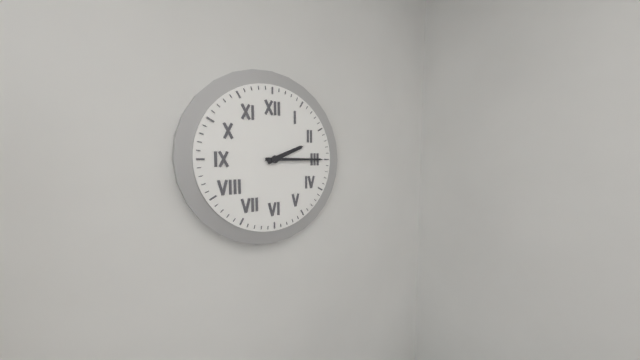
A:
2,15
